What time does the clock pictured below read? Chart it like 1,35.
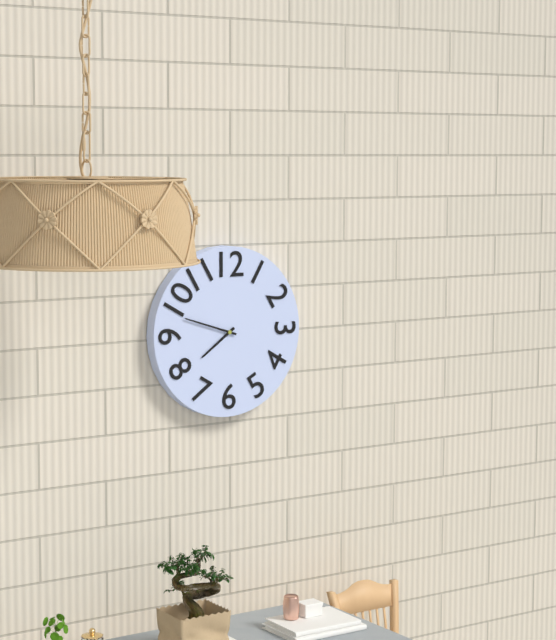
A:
7,48
